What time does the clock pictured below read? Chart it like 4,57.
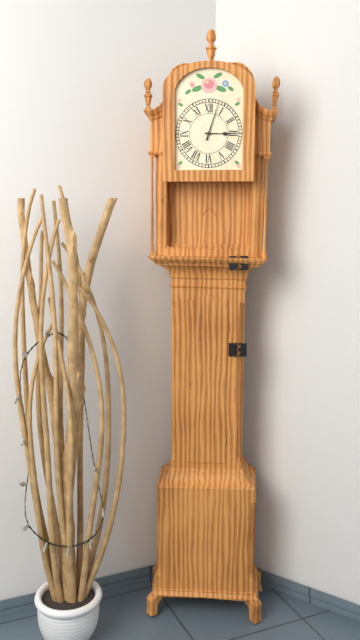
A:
3,03
